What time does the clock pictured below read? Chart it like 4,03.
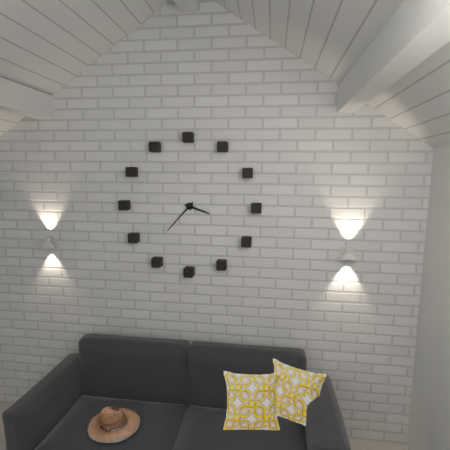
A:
3,37
